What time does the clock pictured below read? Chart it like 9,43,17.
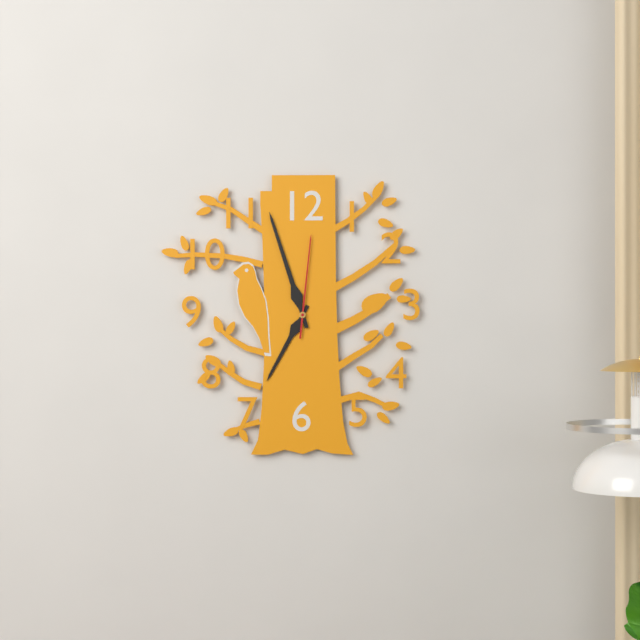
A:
6,57,01
